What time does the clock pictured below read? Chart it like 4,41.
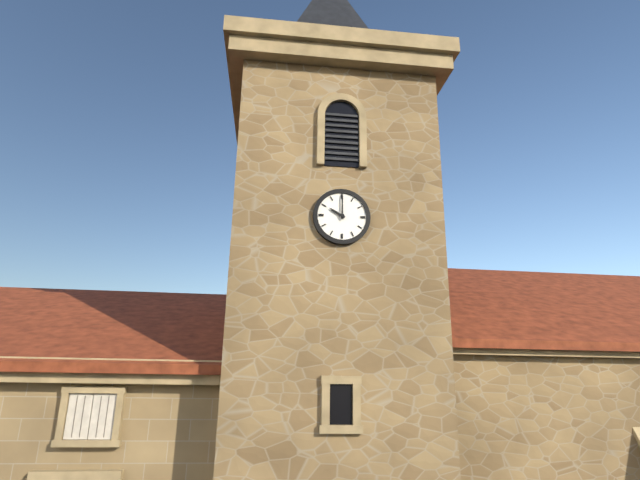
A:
10,00
